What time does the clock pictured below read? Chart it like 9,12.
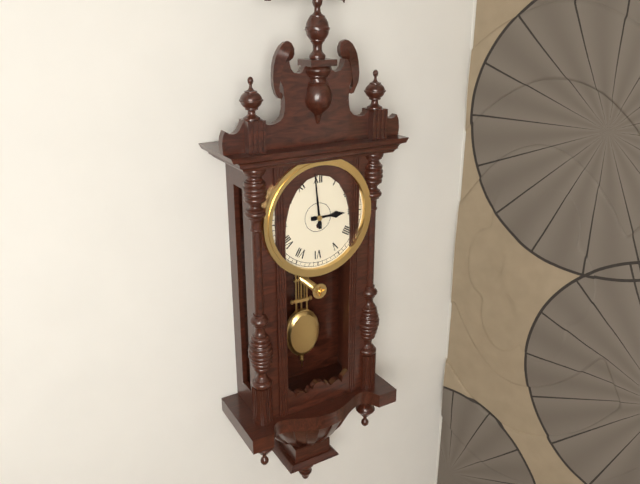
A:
2,59
